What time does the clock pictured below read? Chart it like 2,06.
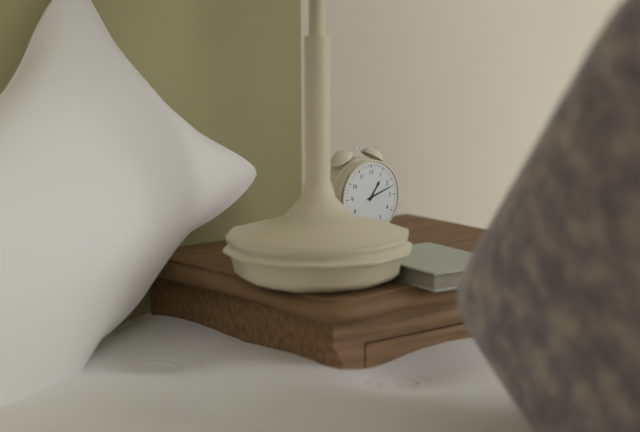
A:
1,12
